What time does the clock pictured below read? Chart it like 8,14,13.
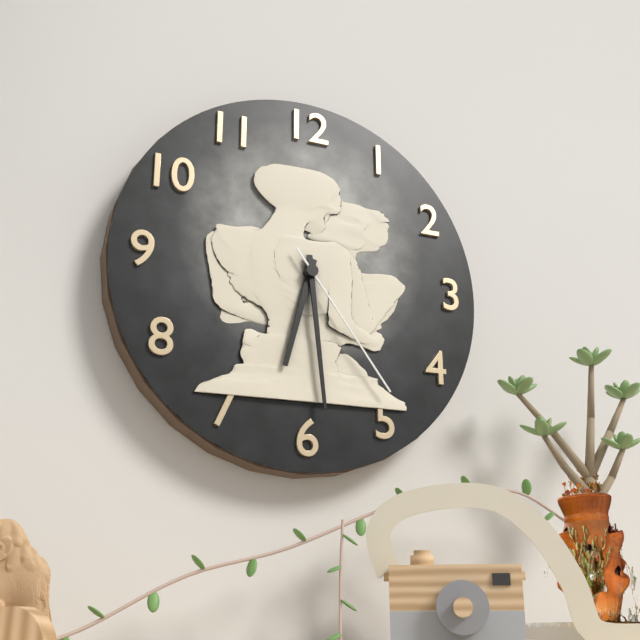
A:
6,29,24
